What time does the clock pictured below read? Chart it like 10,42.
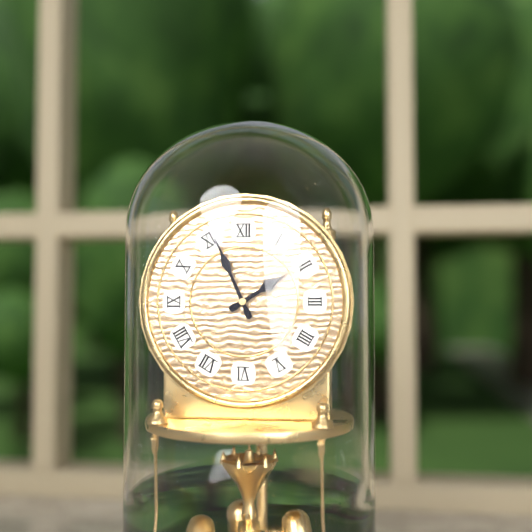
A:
1,56
